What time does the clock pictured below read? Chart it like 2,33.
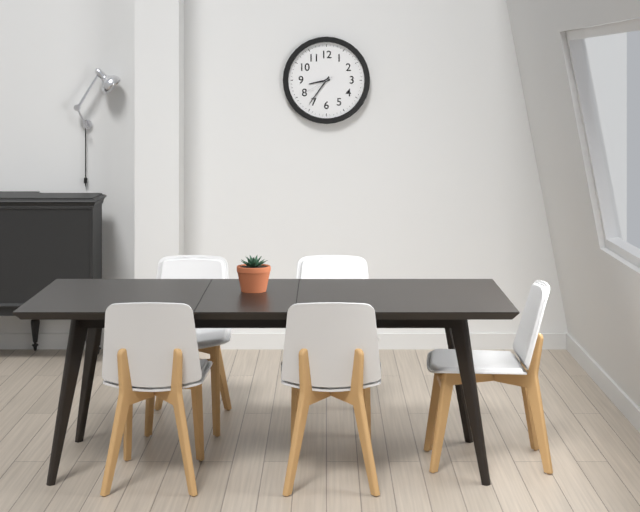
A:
8,36
